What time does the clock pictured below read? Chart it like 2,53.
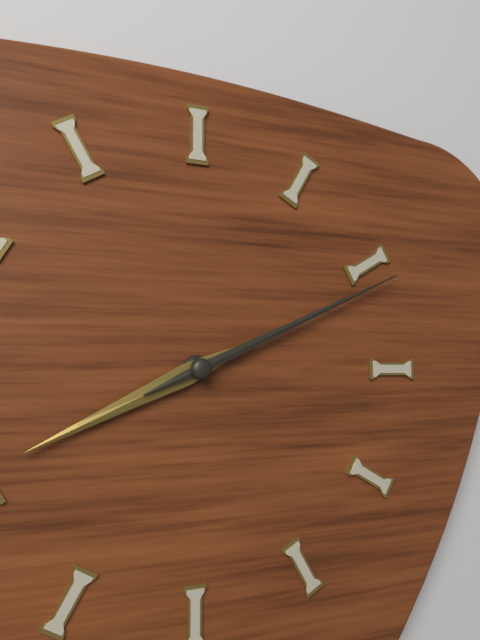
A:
8,11
